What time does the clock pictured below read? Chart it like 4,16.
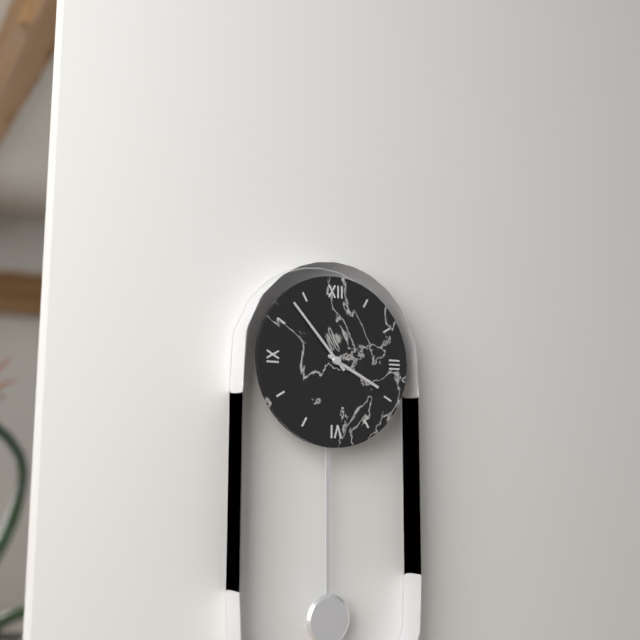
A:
3,53
